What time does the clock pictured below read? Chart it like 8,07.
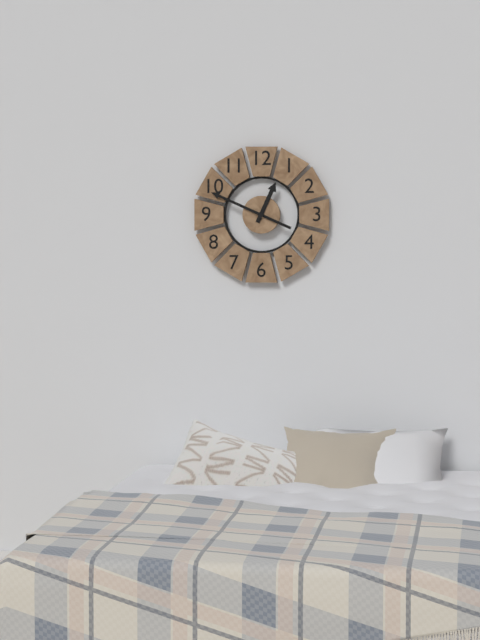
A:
12,49
